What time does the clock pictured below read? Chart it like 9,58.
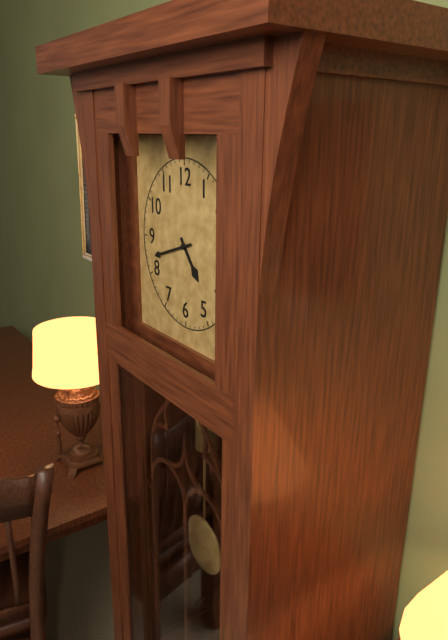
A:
4,42
